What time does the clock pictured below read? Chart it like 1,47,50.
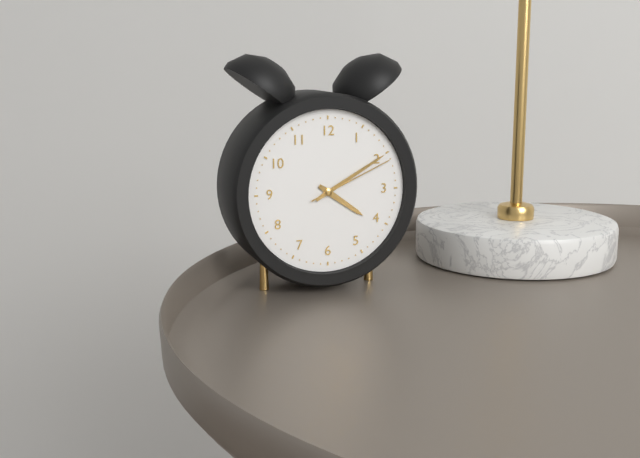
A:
4,10,11
